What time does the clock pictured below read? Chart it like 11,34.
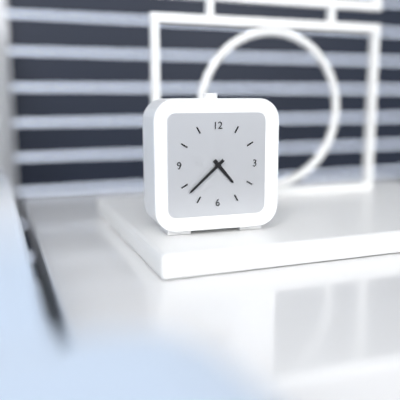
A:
4,38
